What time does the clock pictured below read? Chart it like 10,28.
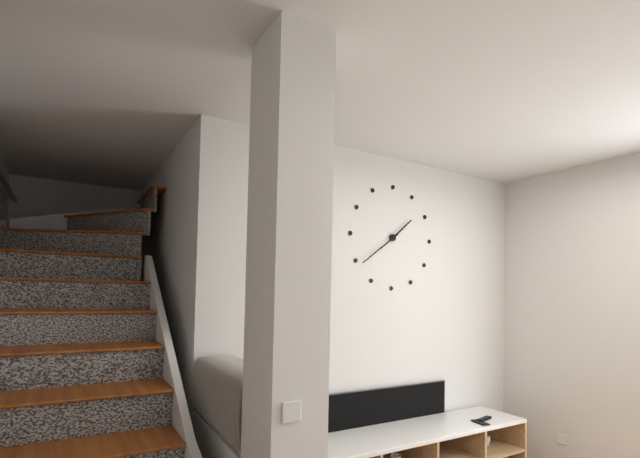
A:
1,39
